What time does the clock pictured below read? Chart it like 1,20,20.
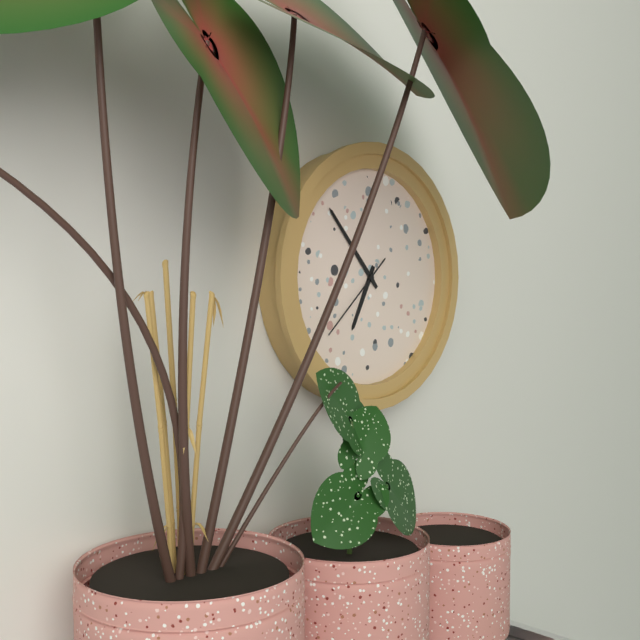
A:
6,53,38
